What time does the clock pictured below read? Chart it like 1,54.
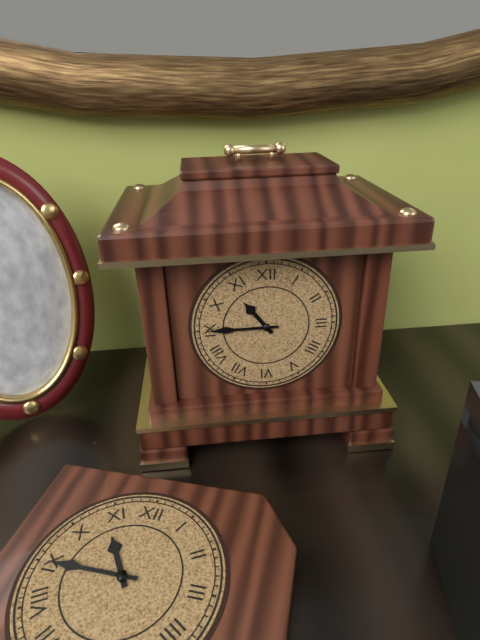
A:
10,45
